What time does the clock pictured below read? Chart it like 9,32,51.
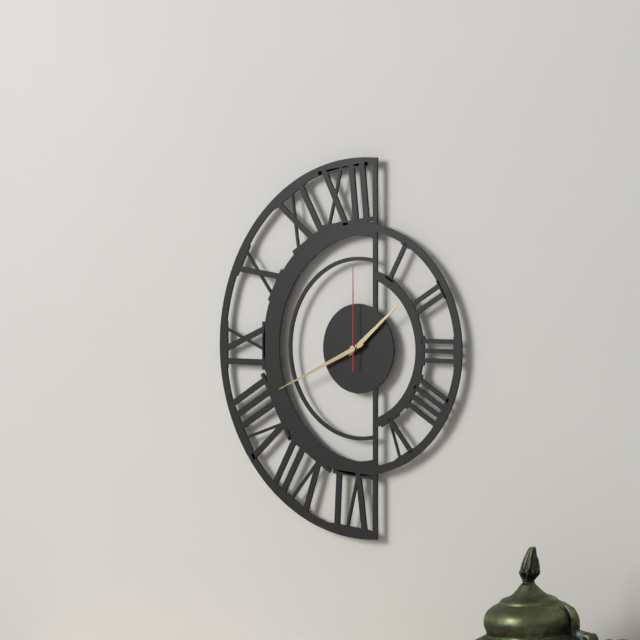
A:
1,41,00
